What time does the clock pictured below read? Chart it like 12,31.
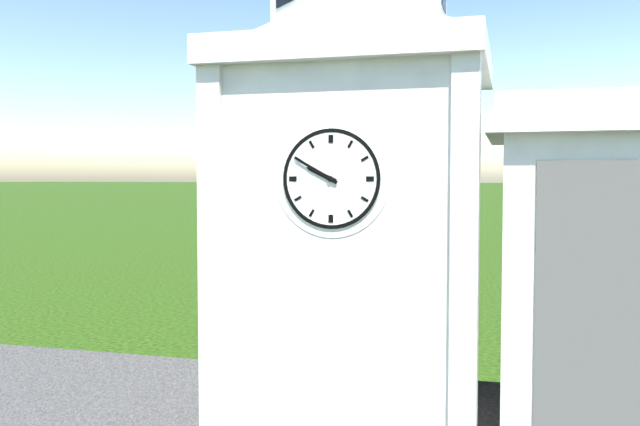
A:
9,50
